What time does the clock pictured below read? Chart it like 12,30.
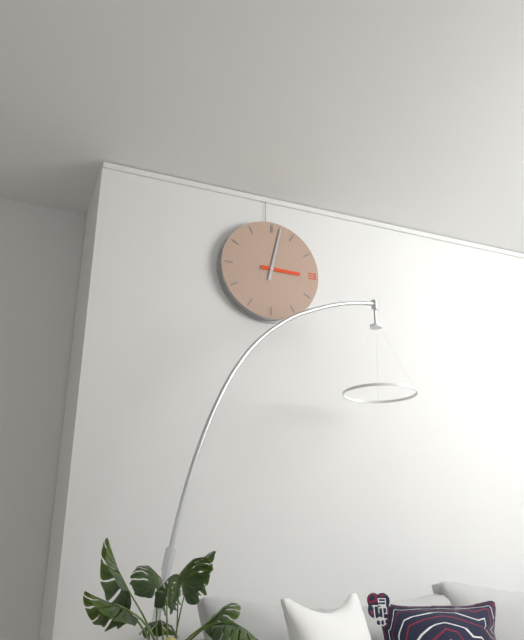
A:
3,02
